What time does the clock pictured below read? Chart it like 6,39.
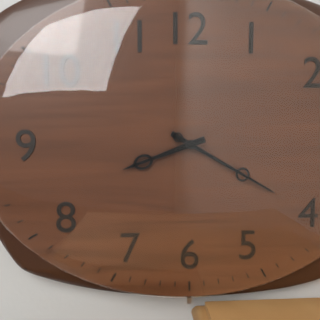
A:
8,20
